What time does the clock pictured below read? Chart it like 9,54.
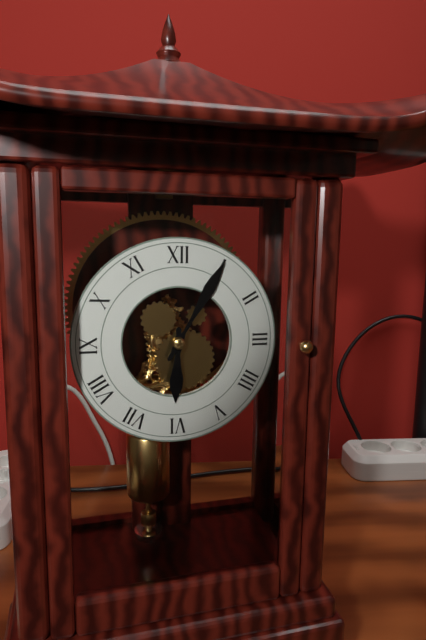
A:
6,05
